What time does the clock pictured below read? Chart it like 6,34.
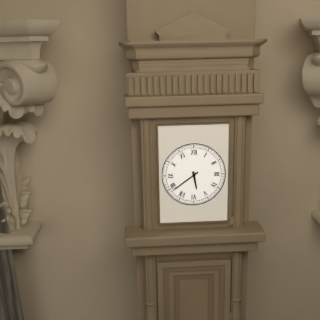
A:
5,39
